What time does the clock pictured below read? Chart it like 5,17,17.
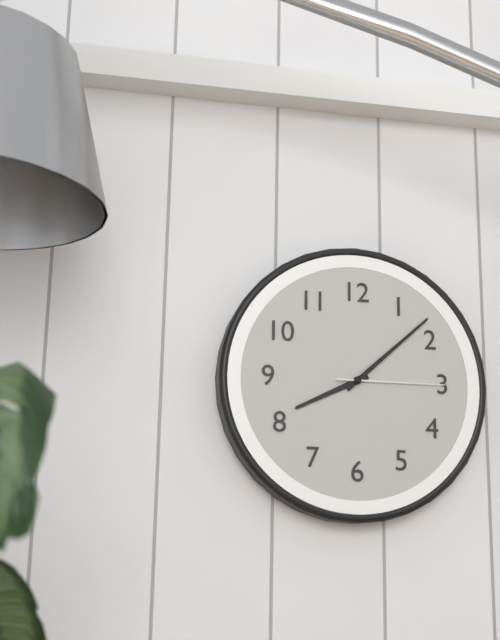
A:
8,08,15
